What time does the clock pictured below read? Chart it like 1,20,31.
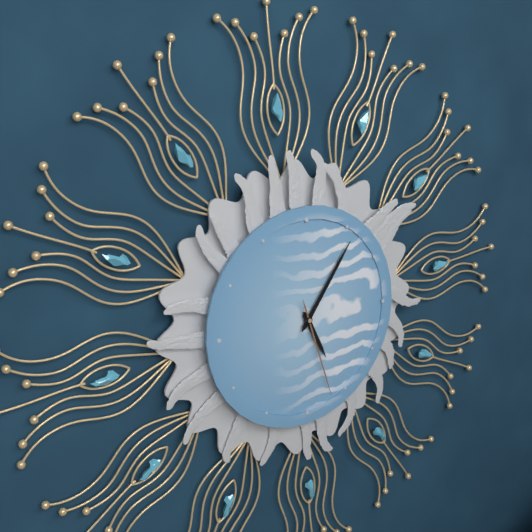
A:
5,06,27
